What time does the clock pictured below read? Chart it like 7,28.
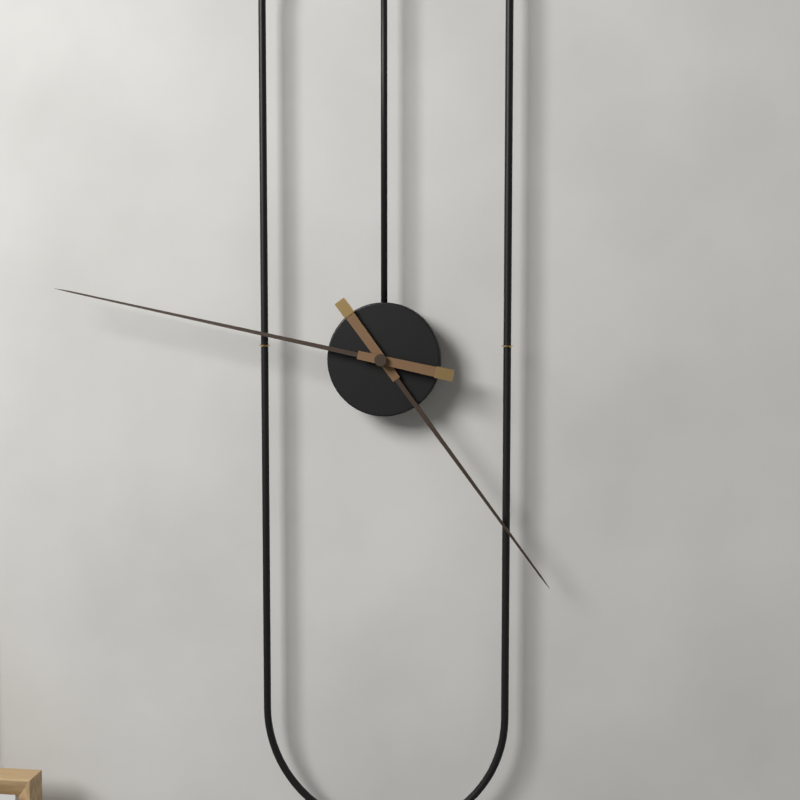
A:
4,47
